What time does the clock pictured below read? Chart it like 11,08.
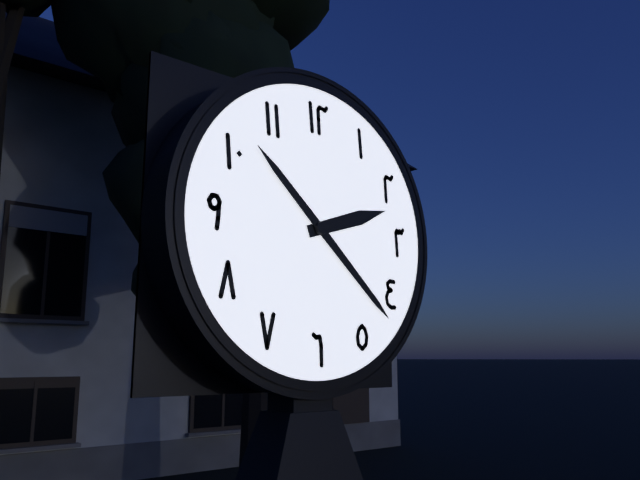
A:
2,22
